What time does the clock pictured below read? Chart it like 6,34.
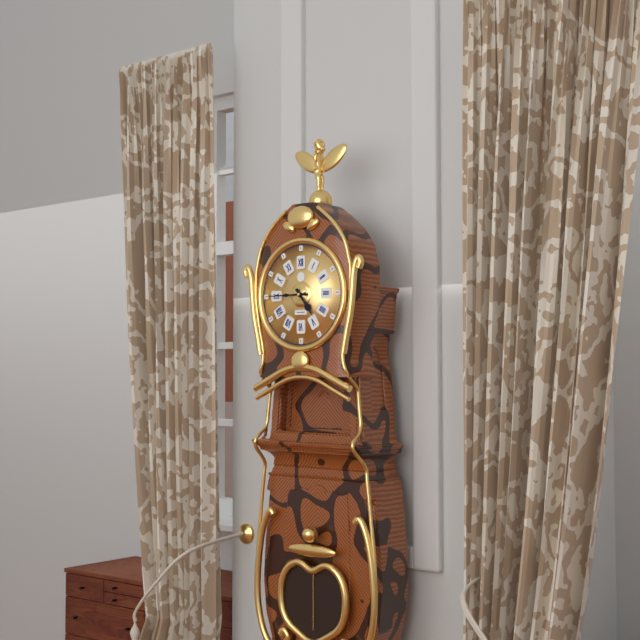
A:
4,45
